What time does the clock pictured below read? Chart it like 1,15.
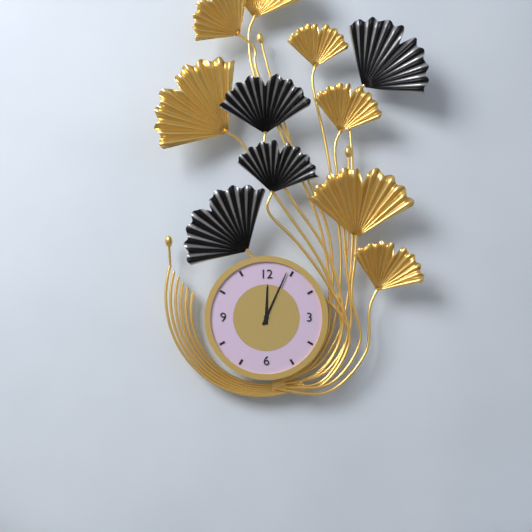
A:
12,04
